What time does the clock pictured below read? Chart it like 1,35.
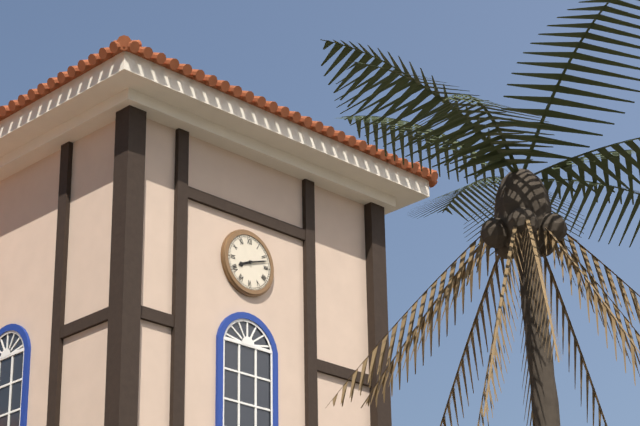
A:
8,12
